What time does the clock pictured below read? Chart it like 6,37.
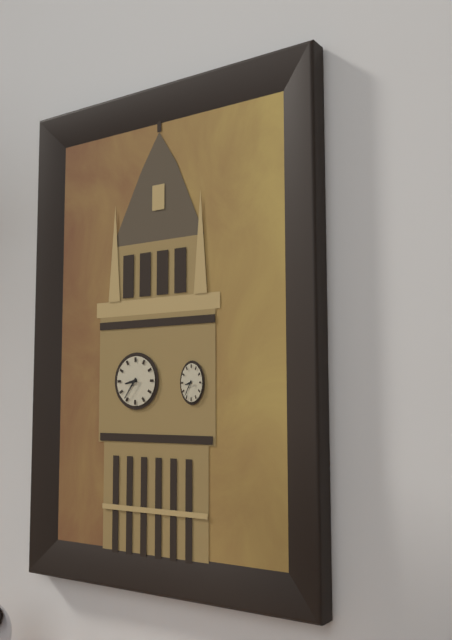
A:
8,36
